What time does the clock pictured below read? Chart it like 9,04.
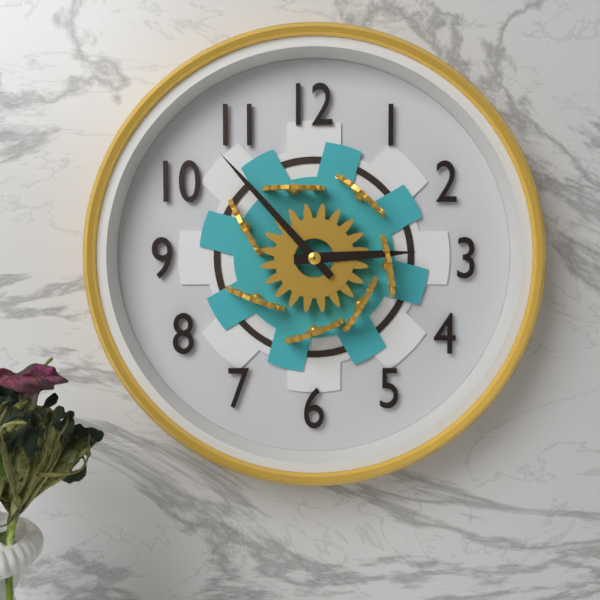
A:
2,53
